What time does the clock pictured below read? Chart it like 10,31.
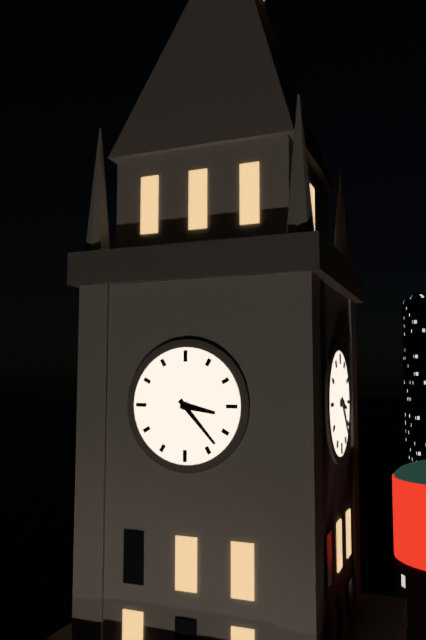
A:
3,23
